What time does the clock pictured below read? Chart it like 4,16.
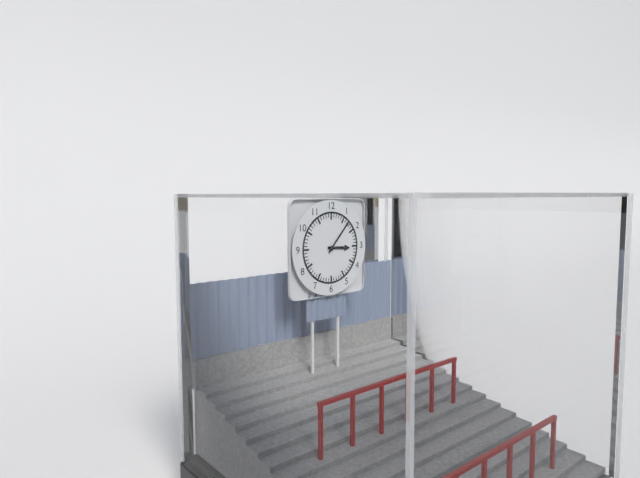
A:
3,07
